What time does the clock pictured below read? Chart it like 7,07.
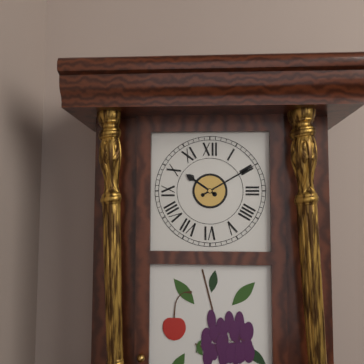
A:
10,10
